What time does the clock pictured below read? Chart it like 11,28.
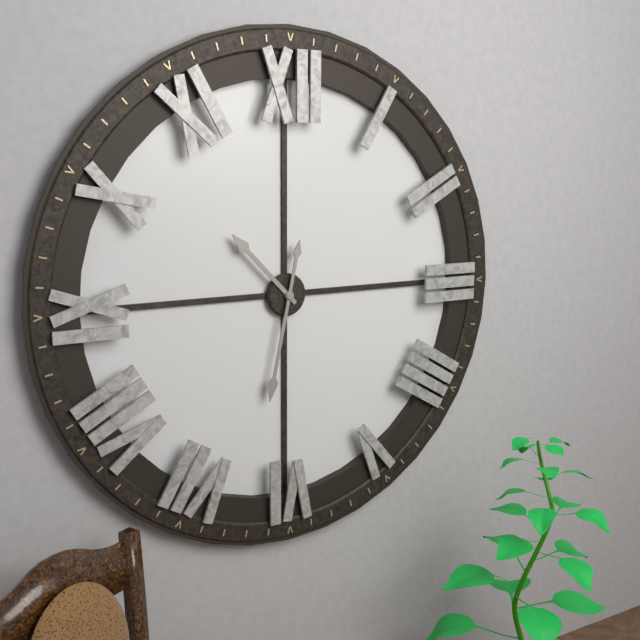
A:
10,32
